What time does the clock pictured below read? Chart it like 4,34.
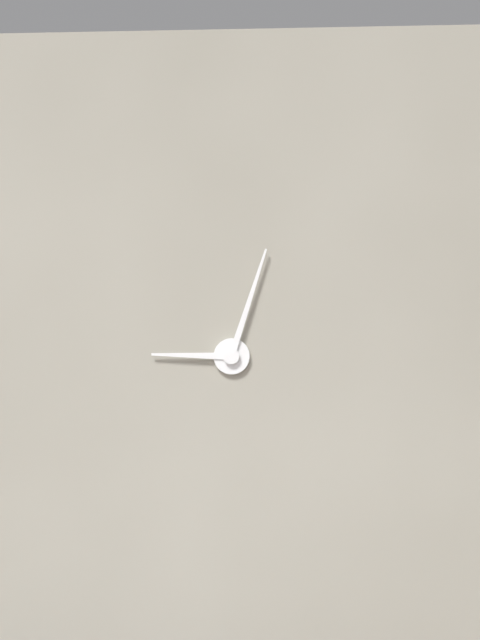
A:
9,03
